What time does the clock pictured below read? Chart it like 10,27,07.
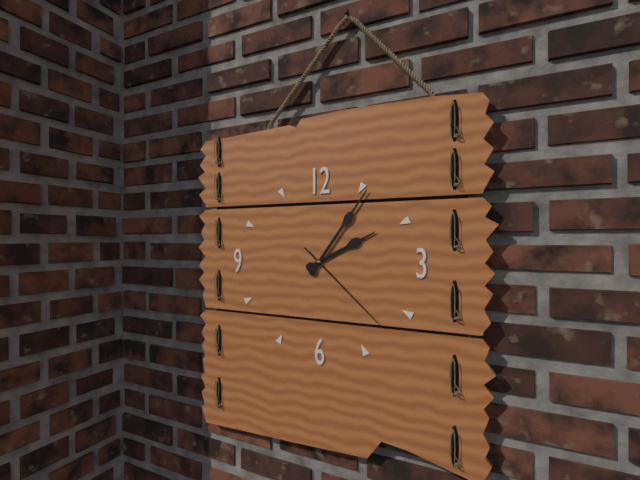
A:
2,06,22
